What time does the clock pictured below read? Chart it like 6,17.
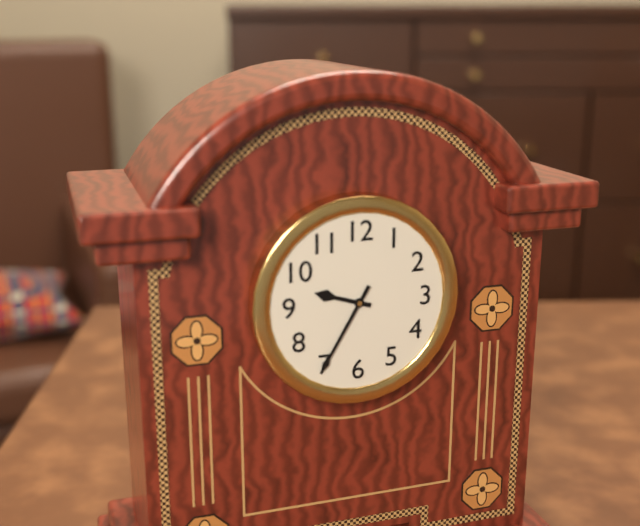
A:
9,35
